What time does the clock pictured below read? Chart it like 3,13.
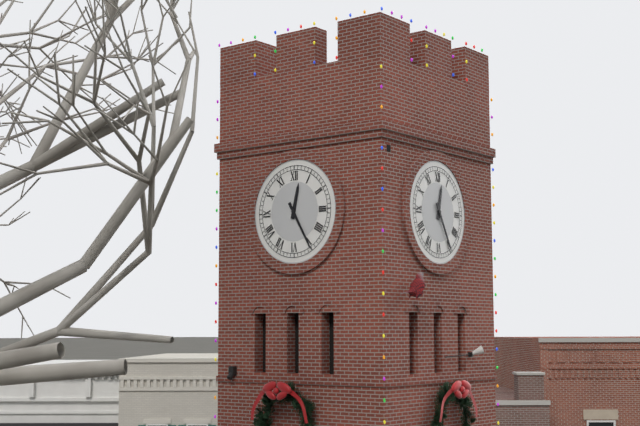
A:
12,25
